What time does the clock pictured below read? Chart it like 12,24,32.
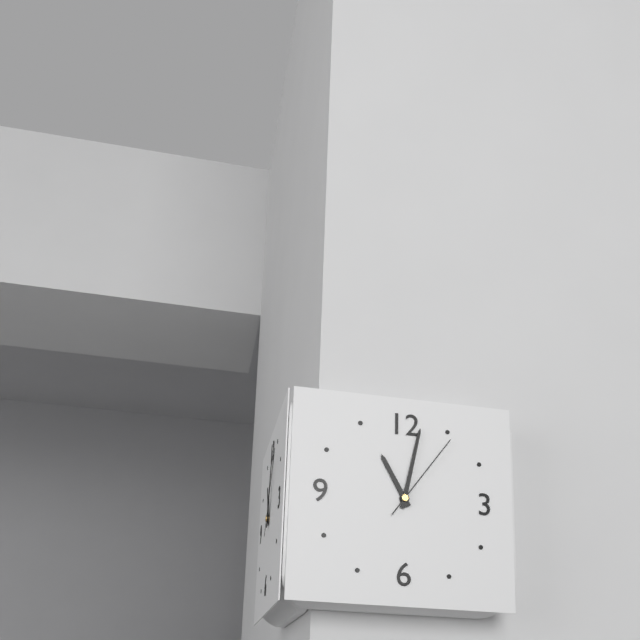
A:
11,02,06
